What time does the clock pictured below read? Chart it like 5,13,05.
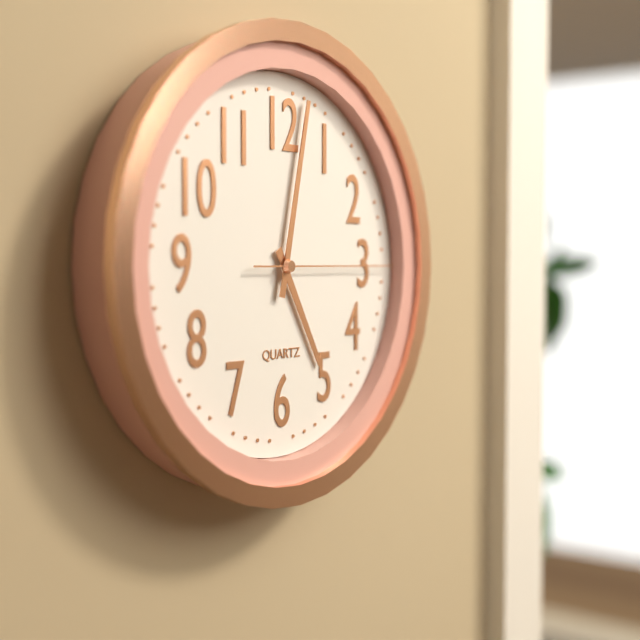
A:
5,02,15
